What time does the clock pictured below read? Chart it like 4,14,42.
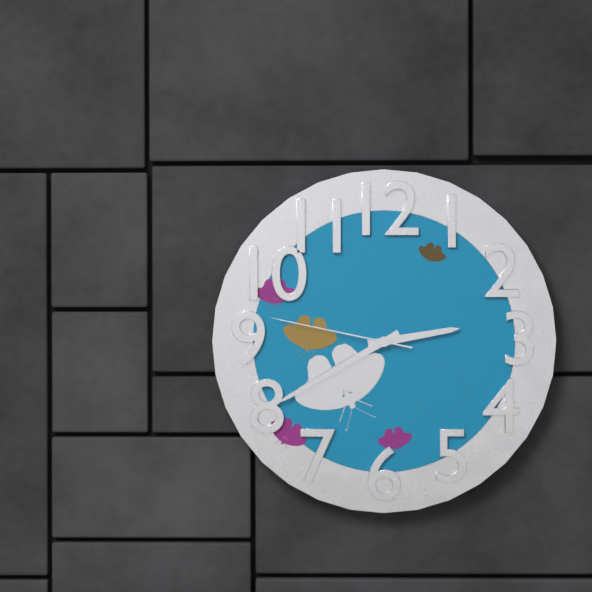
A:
2,40,47
